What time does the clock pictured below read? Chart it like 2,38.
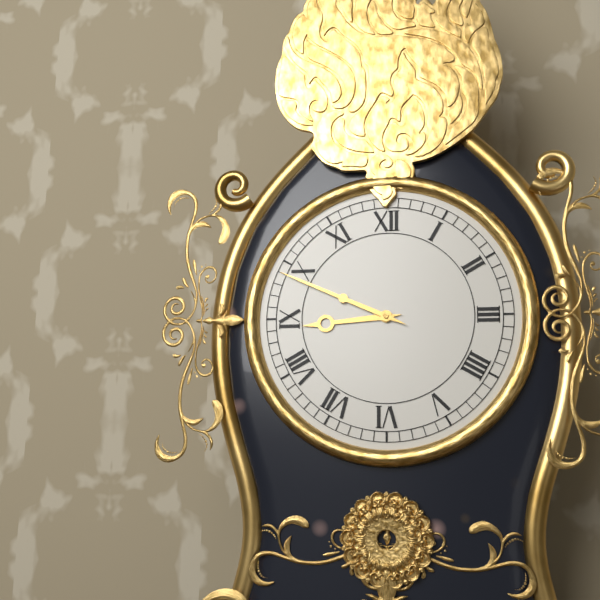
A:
8,49
